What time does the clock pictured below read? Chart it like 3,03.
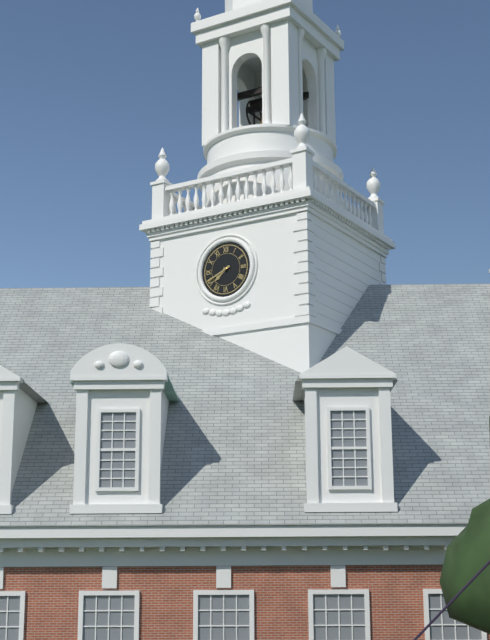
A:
7,41
